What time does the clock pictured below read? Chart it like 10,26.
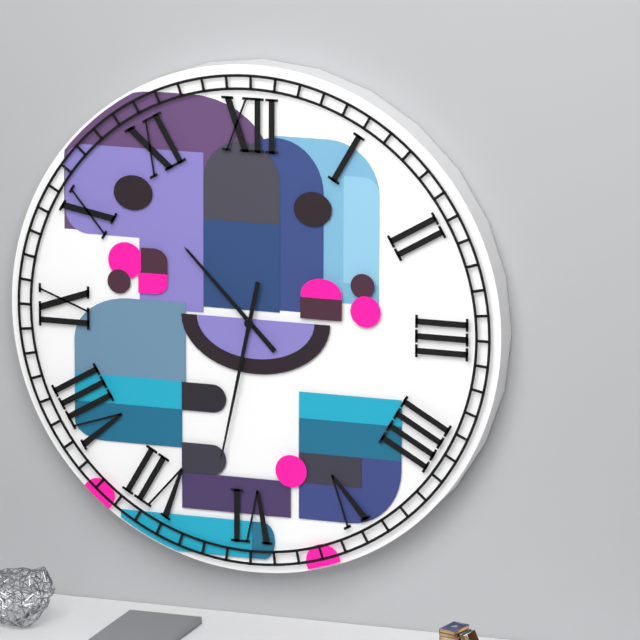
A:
10,32
